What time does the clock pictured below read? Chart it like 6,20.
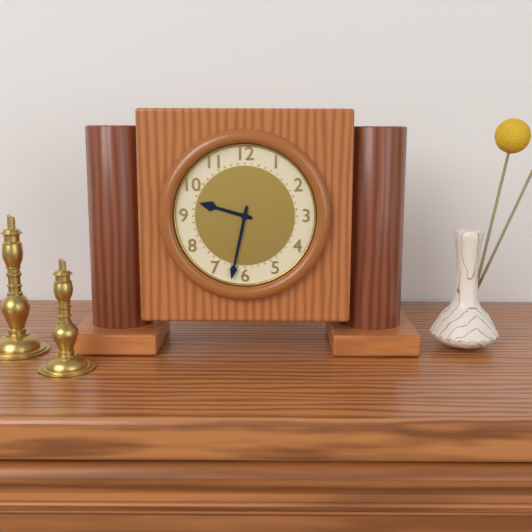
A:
9,32
